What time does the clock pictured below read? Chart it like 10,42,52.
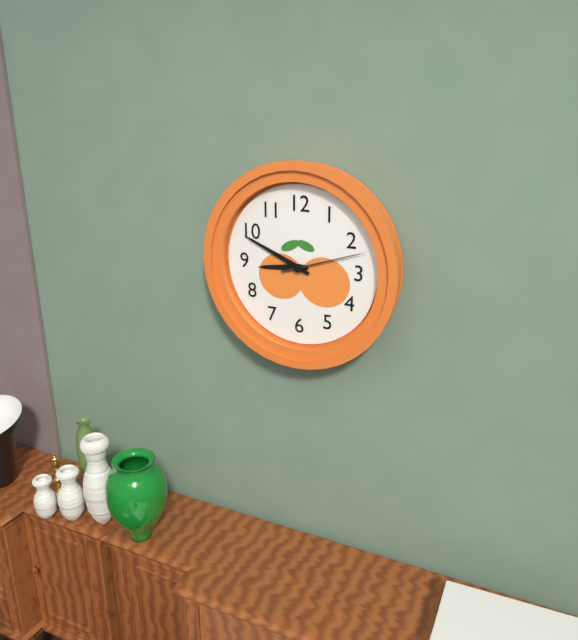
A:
8,49,12
